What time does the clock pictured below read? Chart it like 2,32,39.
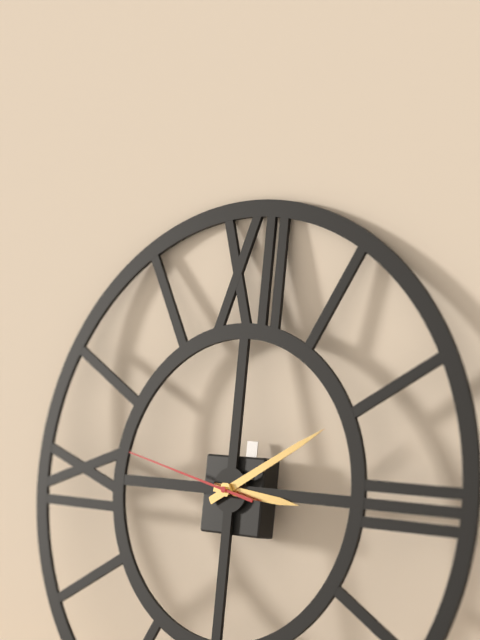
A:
3,10,47
